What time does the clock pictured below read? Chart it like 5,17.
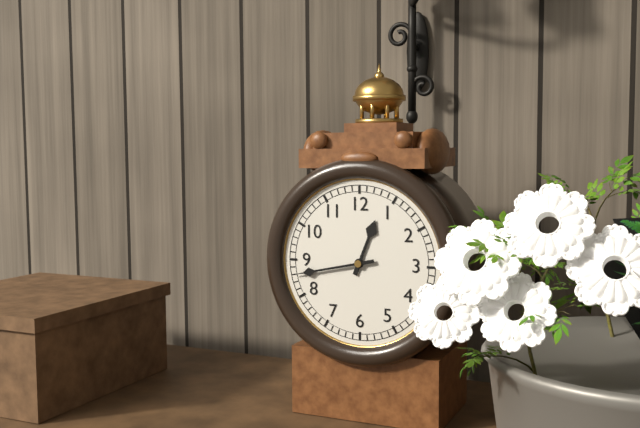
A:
12,43
